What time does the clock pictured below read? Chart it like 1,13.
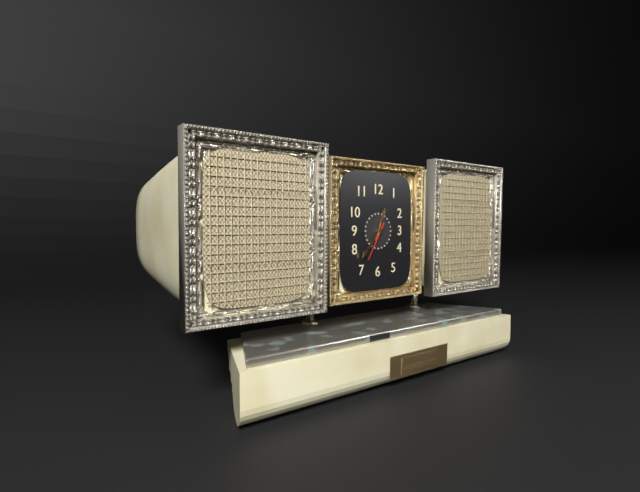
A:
12,37
